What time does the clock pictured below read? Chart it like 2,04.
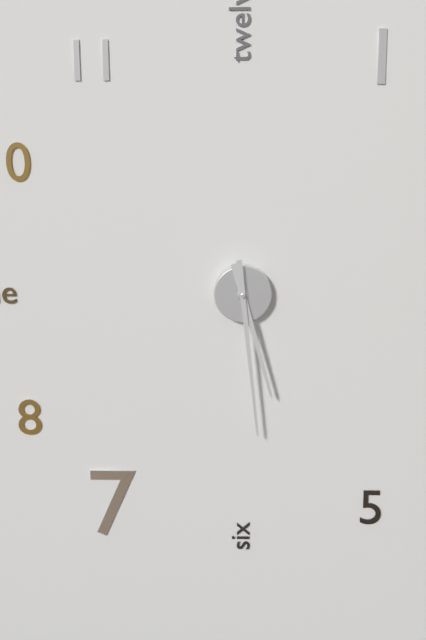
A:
5,29
